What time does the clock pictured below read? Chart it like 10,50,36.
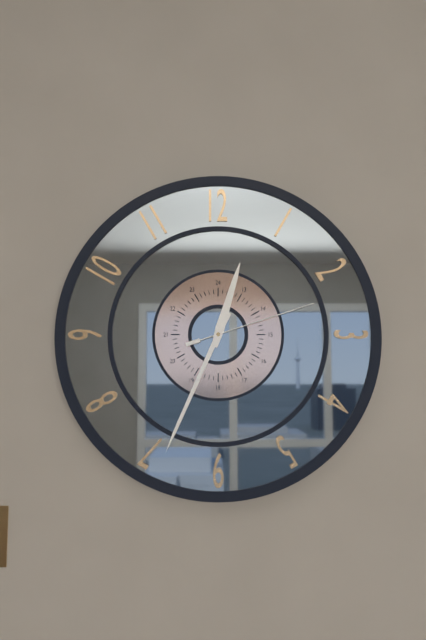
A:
12,34,12
